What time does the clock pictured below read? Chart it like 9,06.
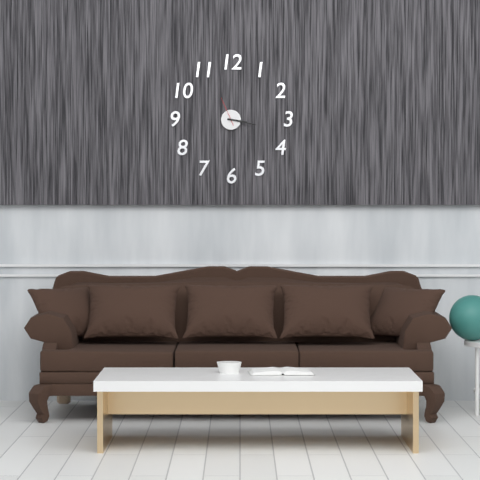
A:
3,17
